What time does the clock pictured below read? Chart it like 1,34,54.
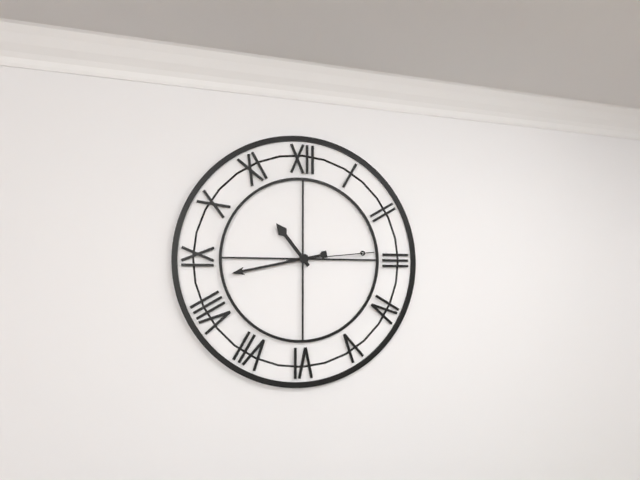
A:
10,43,14
